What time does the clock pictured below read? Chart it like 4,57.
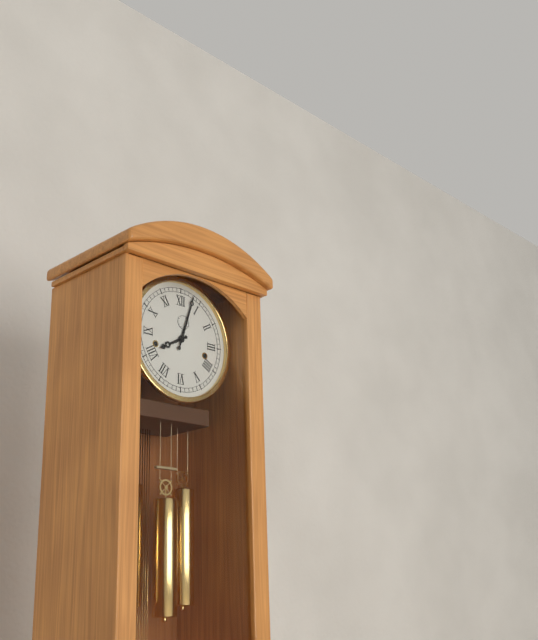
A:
8,03
